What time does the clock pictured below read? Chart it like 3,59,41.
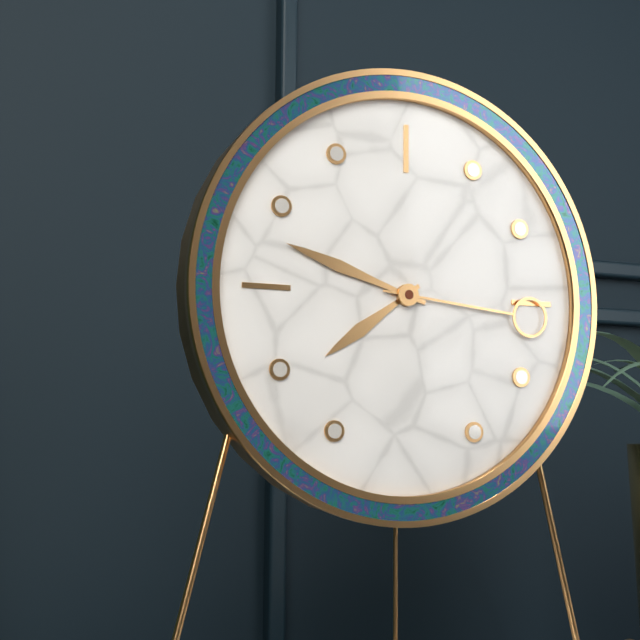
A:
7,48,16
